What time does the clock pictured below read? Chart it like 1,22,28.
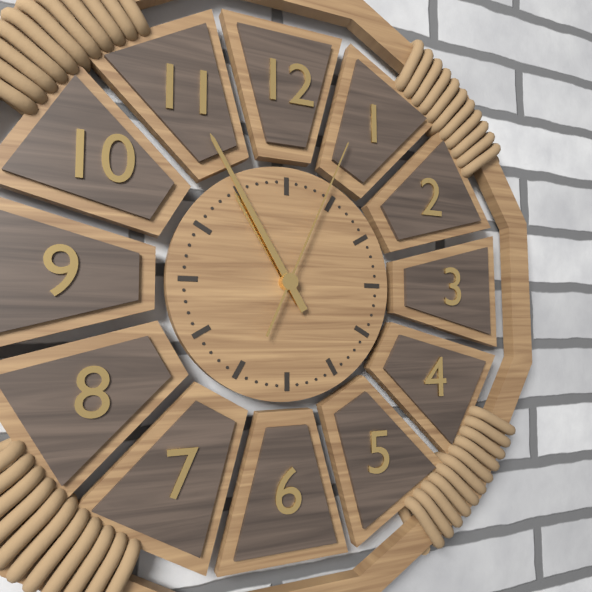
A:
10,55,04
